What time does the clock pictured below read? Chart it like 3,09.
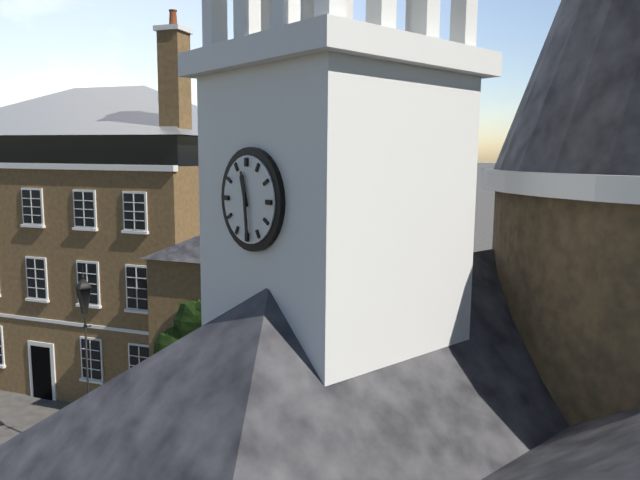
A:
11,29
